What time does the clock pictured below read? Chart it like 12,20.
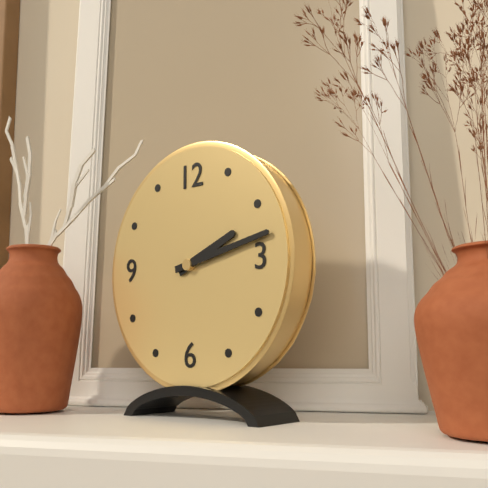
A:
2,13
